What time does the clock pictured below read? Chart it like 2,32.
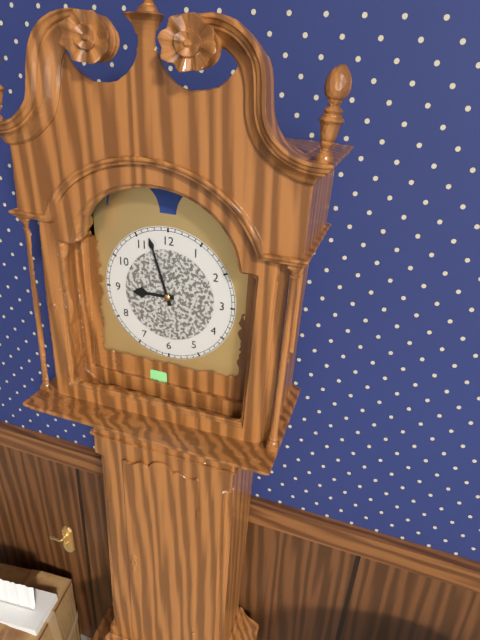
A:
8,57
